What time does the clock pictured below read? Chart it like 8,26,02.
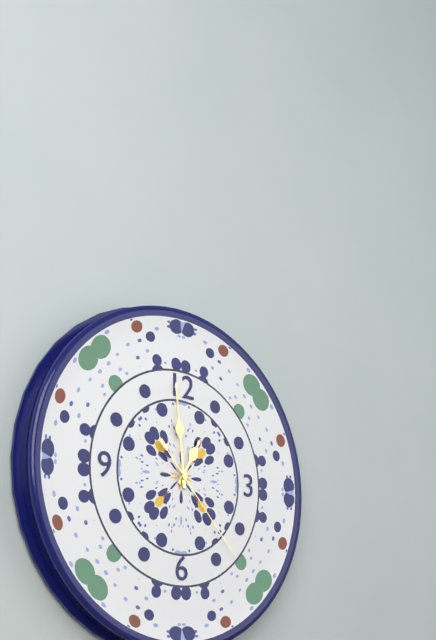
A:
12,59,23
